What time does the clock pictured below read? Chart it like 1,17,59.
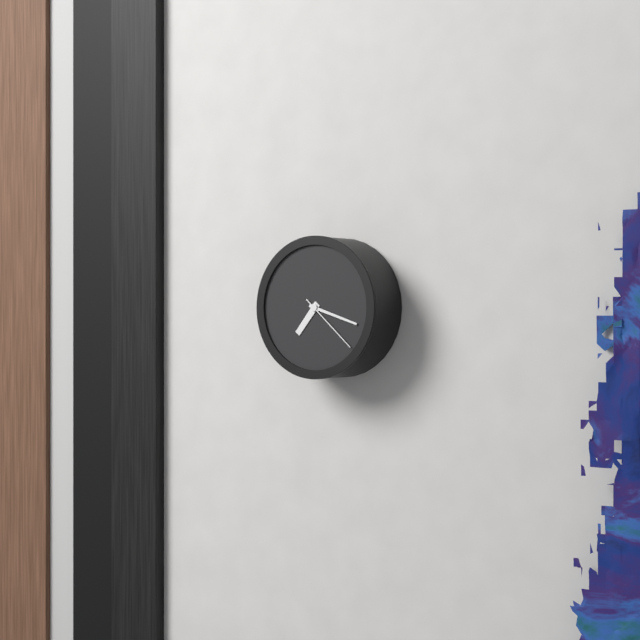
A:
7,18,22
